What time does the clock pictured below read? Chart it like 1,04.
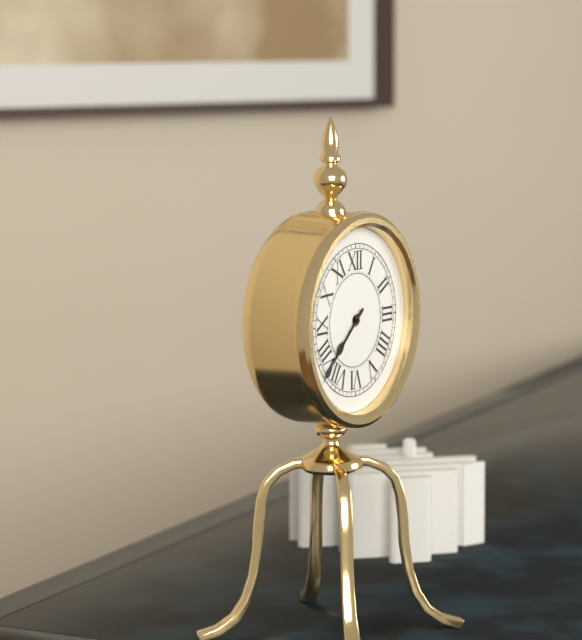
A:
7,38
